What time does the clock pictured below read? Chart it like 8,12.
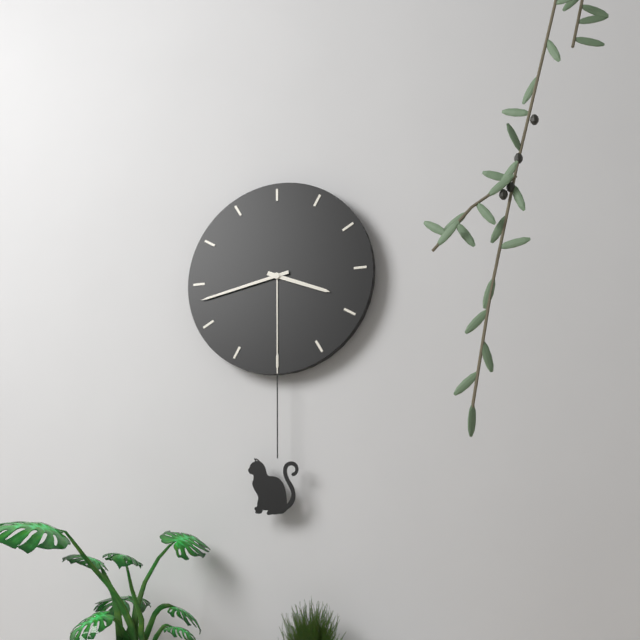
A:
3,43
